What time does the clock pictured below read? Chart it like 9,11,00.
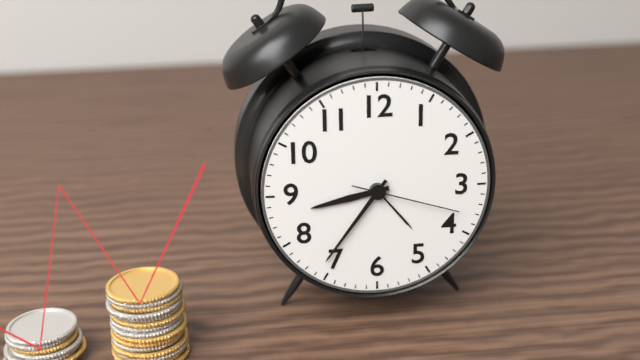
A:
8,36,18
